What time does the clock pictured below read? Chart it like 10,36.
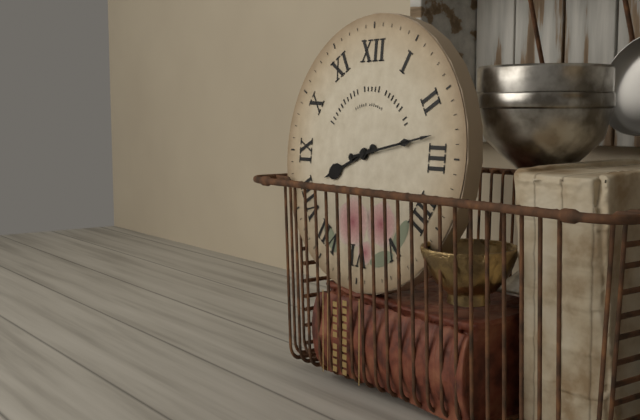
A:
8,13
